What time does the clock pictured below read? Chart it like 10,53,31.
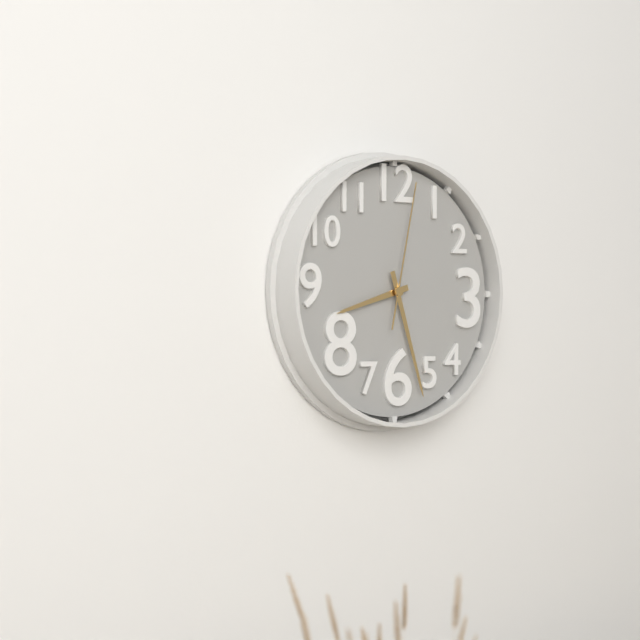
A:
8,27,02
